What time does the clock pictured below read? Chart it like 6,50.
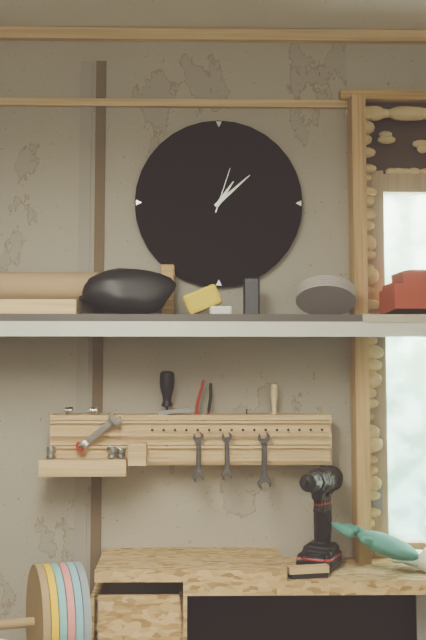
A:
1,08
